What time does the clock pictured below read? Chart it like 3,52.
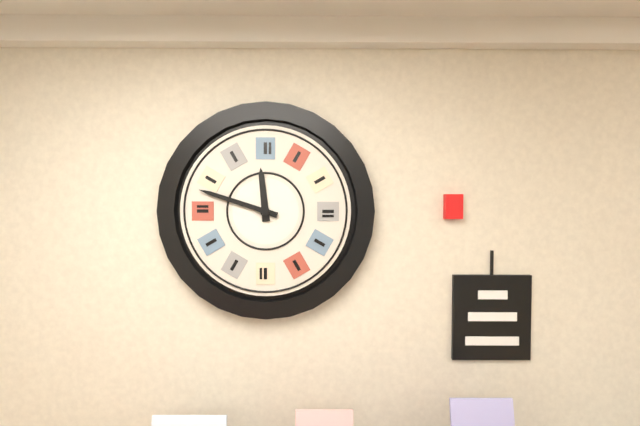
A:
11,48
